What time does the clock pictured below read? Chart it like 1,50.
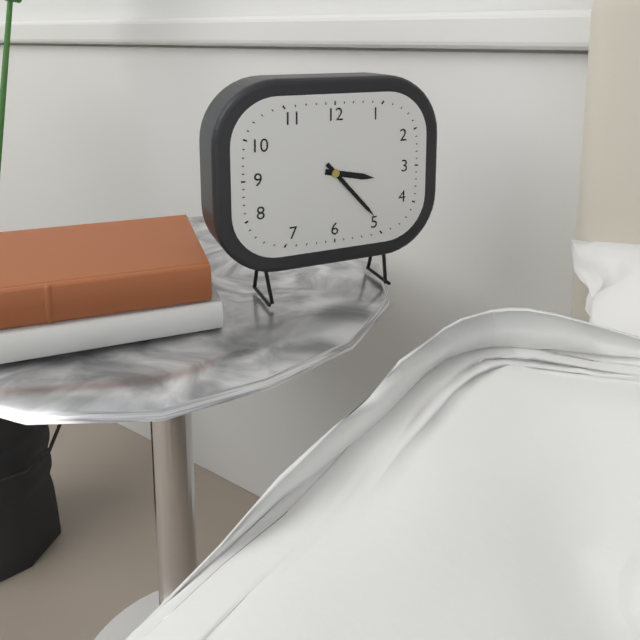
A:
3,23
